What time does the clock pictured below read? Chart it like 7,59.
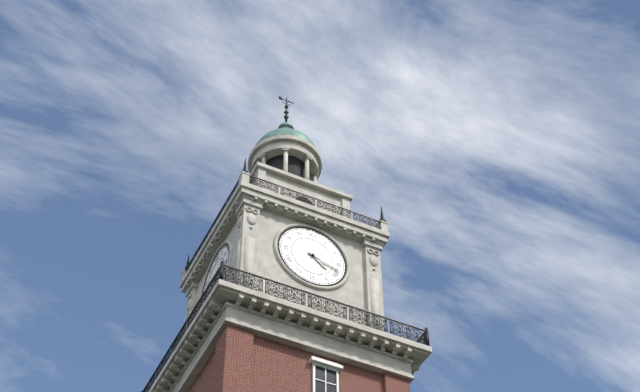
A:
4,18
